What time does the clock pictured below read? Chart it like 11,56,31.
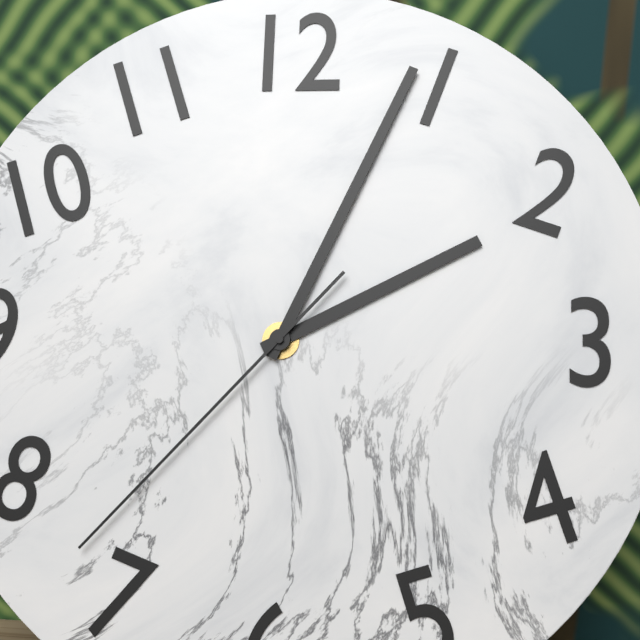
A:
2,04,37
